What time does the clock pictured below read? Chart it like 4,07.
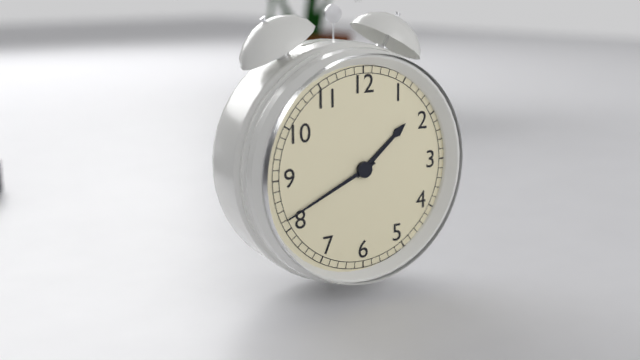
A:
1,41
